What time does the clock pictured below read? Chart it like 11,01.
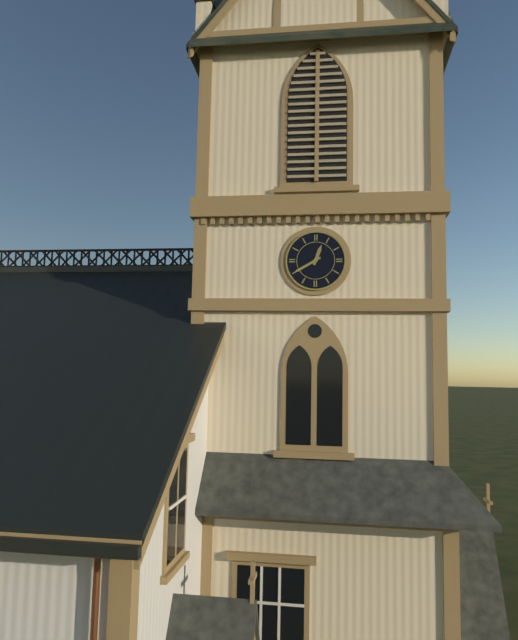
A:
12,40
